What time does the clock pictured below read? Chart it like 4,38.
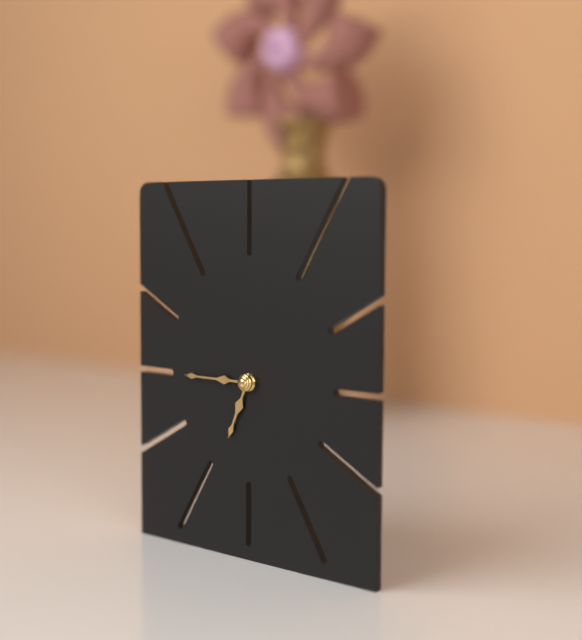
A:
6,45
